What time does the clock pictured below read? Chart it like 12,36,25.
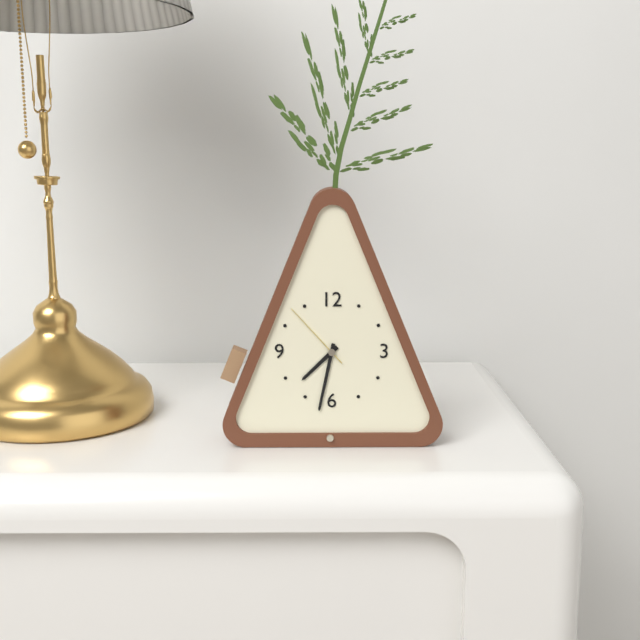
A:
7,32,53
